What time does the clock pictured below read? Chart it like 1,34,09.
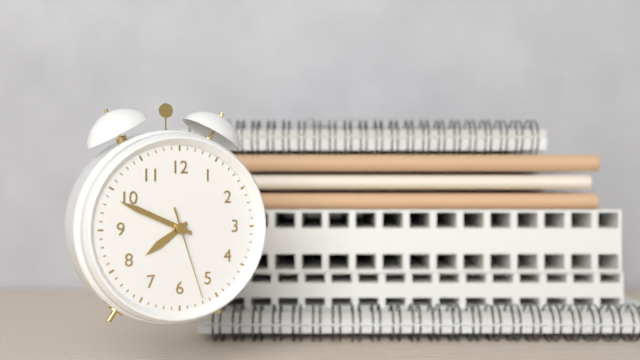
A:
7,49,27
